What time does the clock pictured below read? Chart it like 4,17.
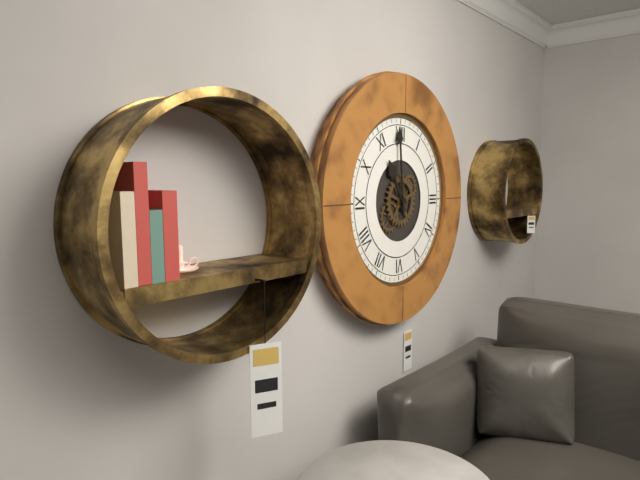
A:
10,59
